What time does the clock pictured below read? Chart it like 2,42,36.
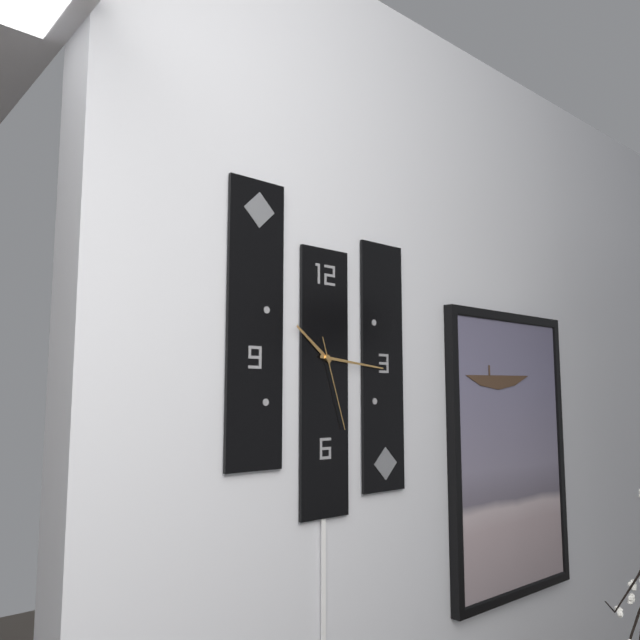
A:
10,16,27
